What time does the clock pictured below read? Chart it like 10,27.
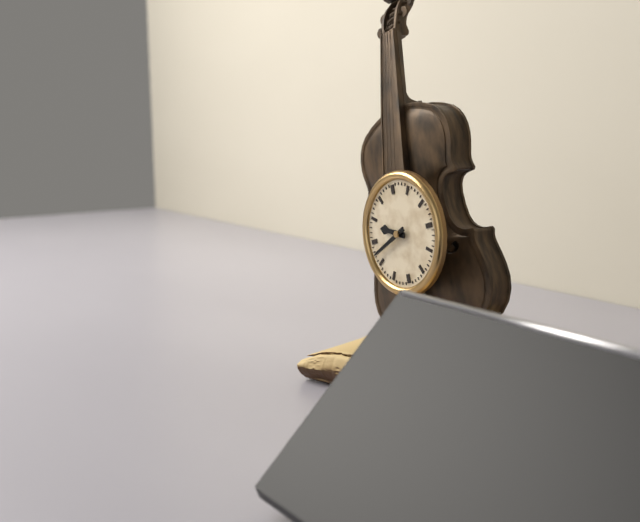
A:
9,42
